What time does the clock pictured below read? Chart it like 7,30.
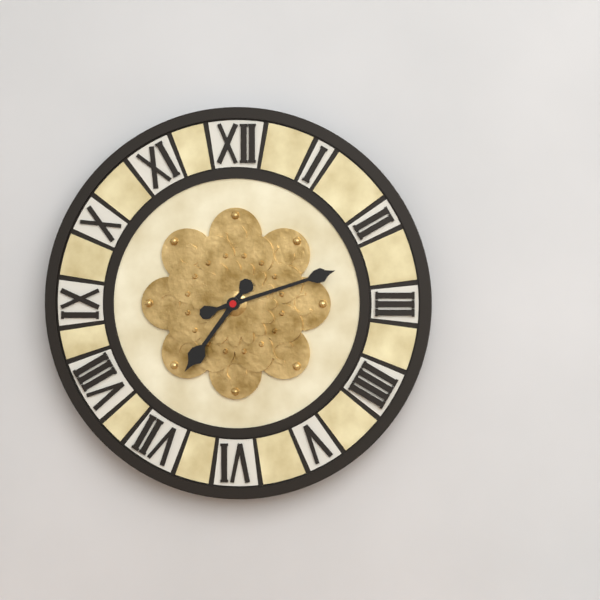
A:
7,12
